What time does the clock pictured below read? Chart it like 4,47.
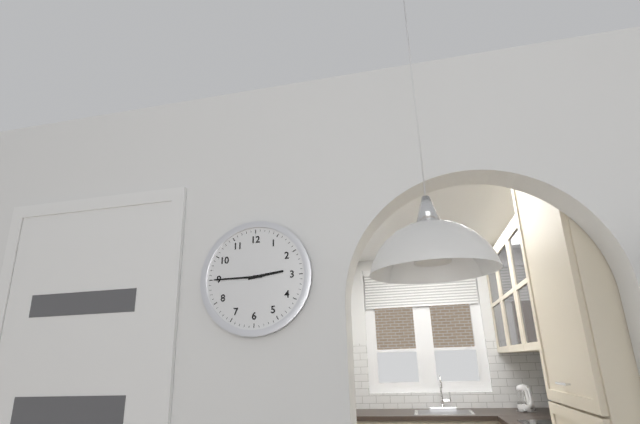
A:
2,45
